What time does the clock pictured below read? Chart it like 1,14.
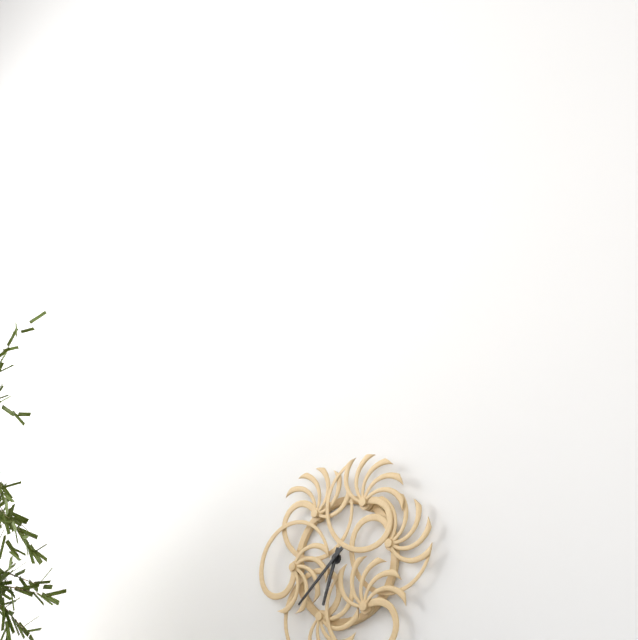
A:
6,38
